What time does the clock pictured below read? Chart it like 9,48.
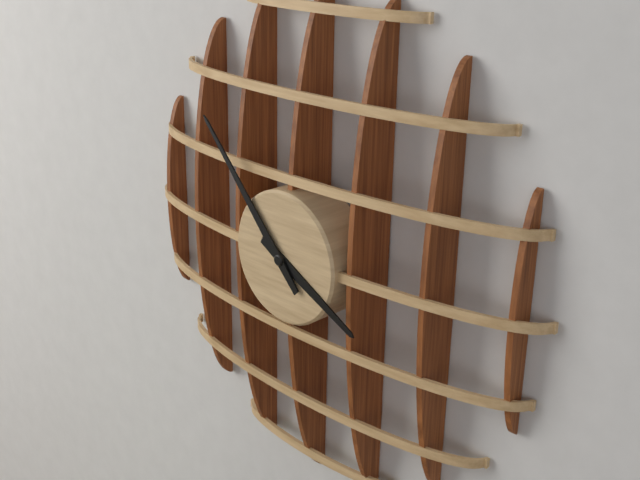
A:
3,53
